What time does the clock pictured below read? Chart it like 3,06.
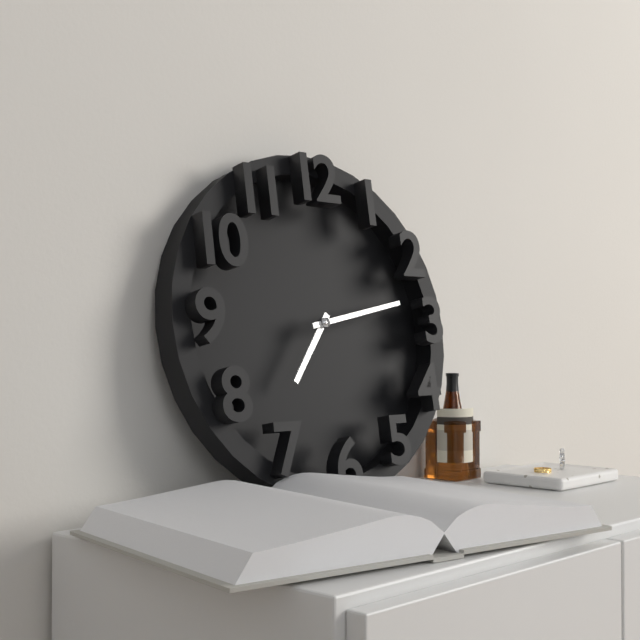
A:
7,13
